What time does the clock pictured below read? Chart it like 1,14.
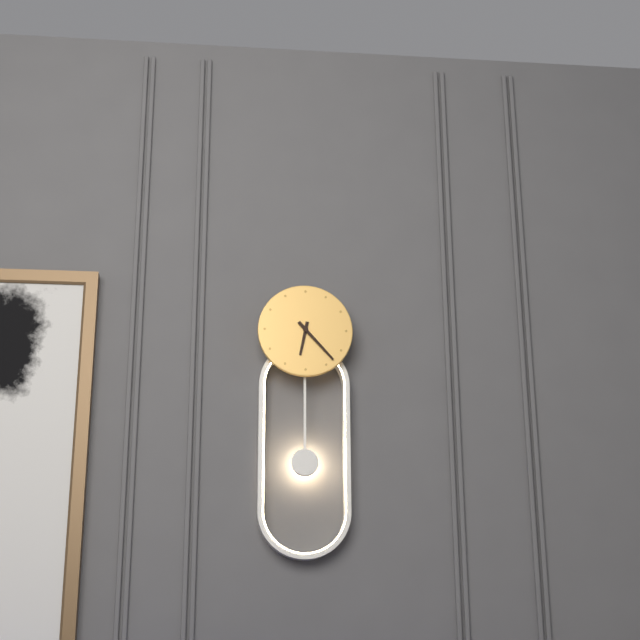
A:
6,23
